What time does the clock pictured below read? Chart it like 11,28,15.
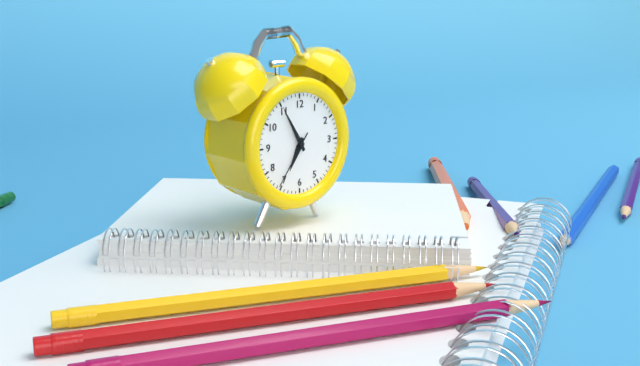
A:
6,55,36
